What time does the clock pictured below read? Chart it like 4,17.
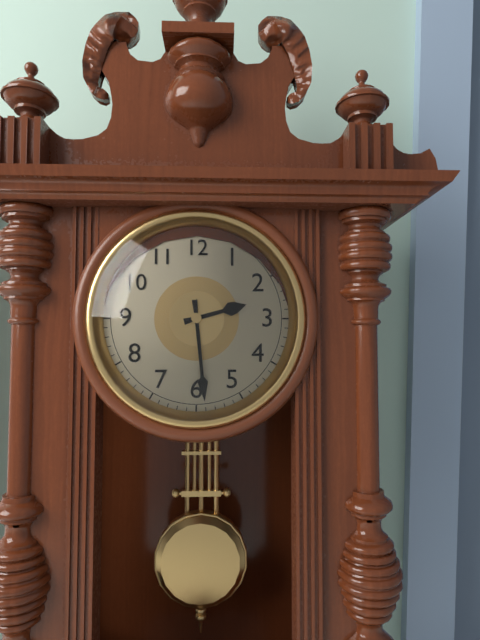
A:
2,29
